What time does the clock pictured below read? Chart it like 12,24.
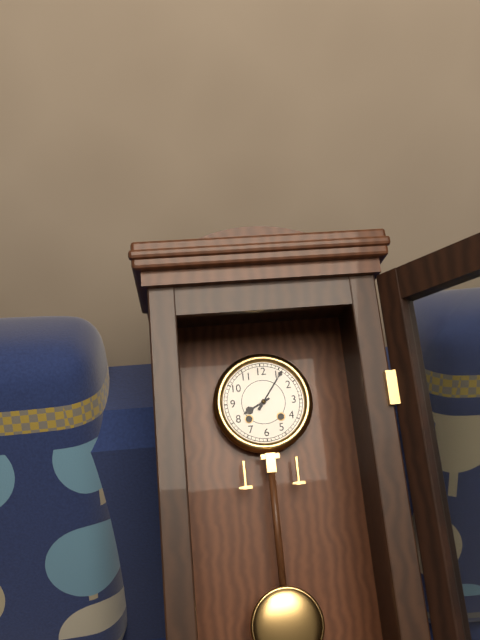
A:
8,06
